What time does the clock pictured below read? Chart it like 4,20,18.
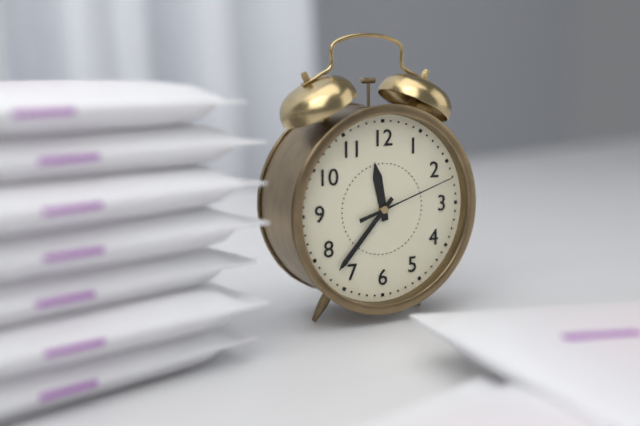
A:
11,37,12
